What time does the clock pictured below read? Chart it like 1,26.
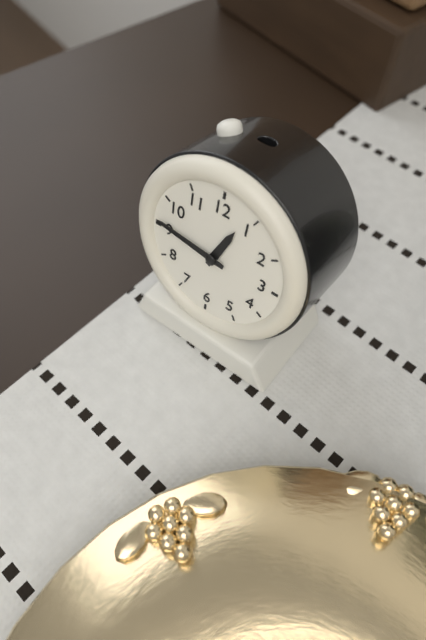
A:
12,46
